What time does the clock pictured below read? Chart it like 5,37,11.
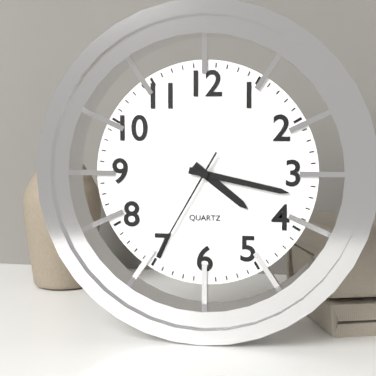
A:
4,17,35
